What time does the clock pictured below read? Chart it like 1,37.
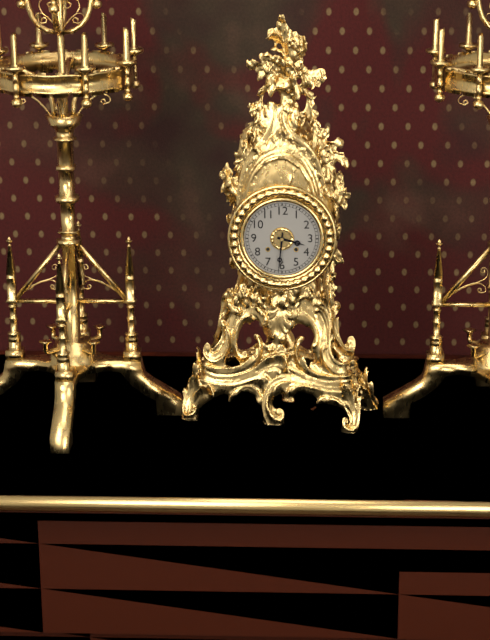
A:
3,31
